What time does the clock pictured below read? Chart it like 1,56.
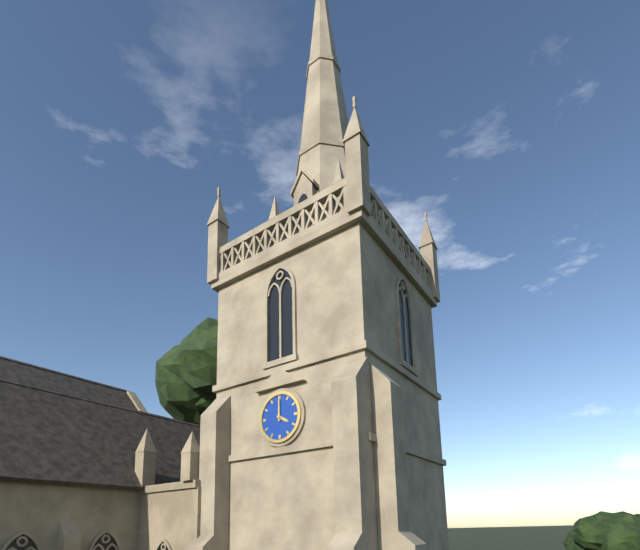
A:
4,00
